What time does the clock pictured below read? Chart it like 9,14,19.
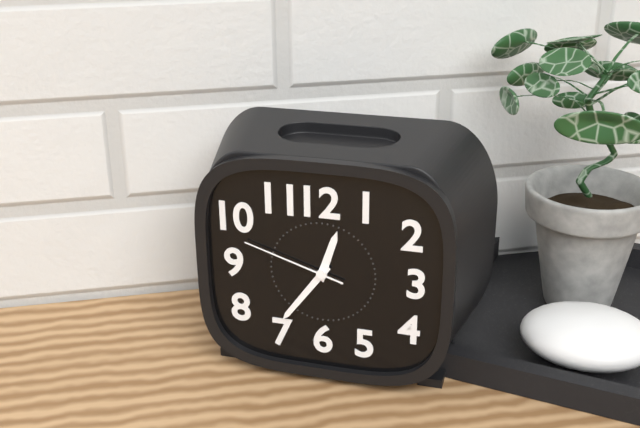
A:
12,36,48
